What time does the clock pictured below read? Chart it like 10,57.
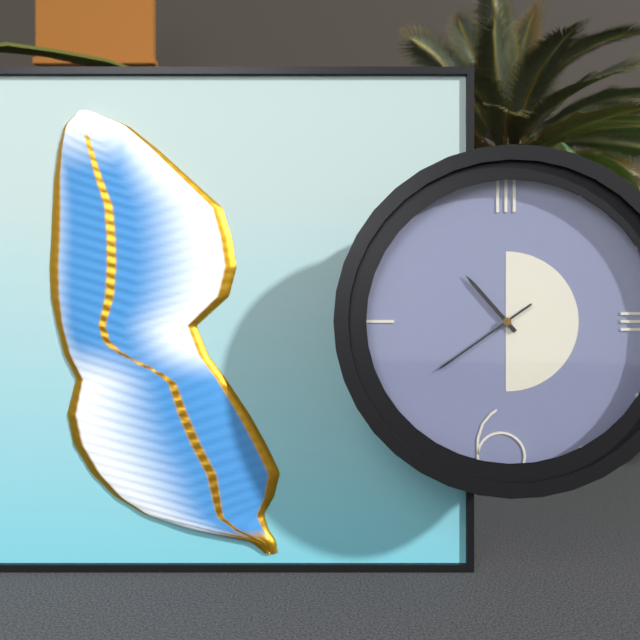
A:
10,39
